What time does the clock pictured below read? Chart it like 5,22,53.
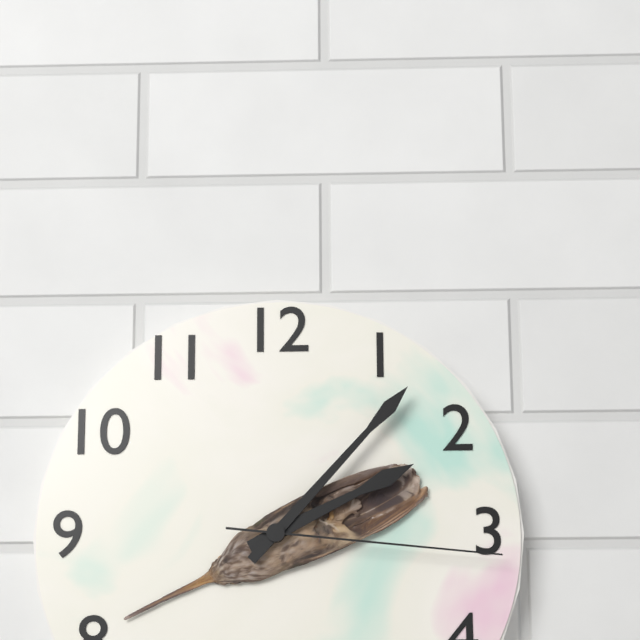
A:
2,07,16
